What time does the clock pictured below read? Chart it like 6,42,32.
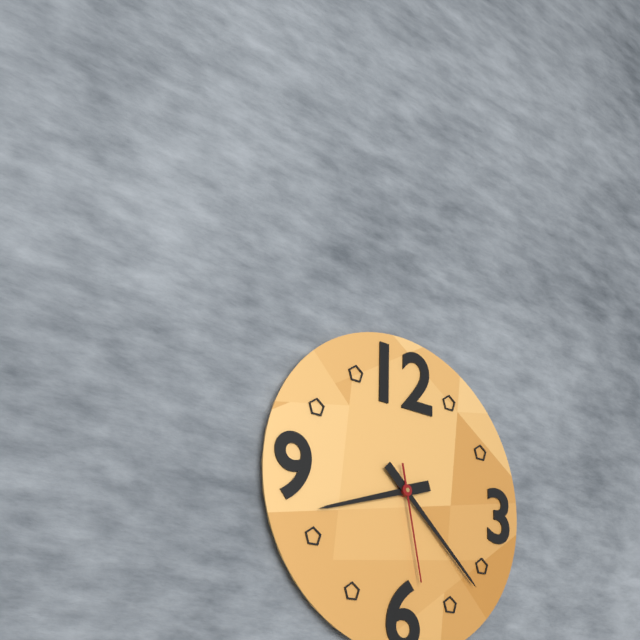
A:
8,22,28
